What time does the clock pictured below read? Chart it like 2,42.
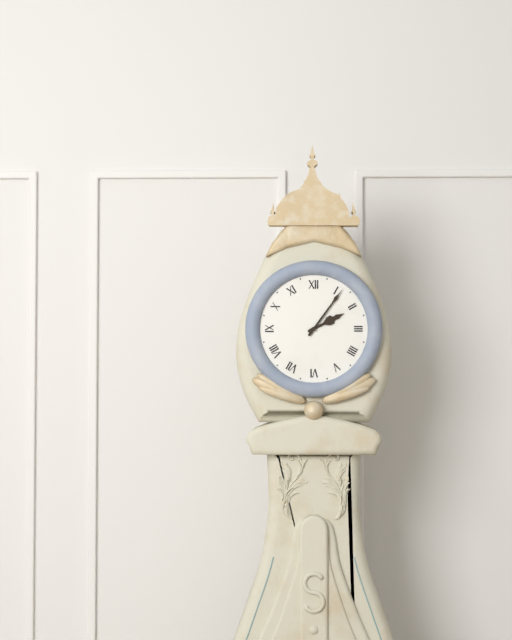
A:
2,06
